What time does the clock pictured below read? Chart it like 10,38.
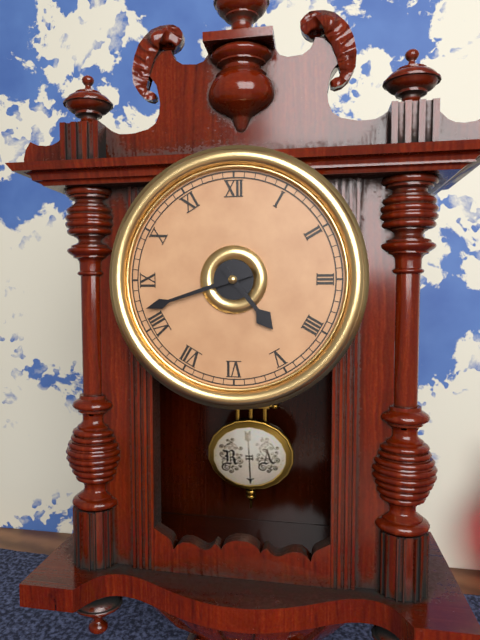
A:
4,42
